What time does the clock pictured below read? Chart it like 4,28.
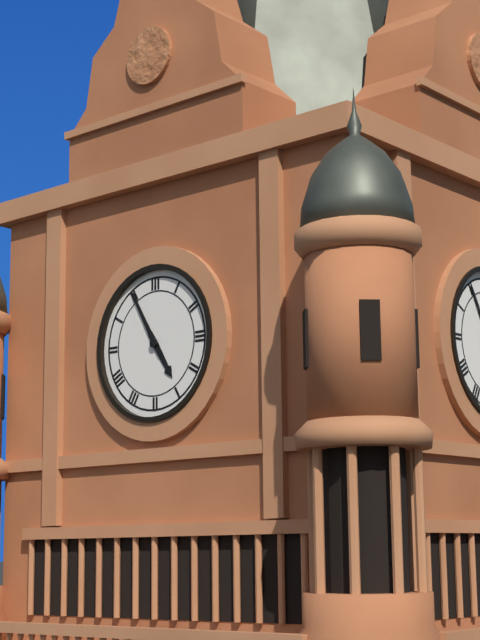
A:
4,55
